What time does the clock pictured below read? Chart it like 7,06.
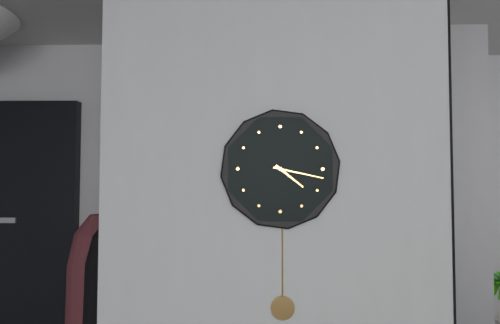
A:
4,17
